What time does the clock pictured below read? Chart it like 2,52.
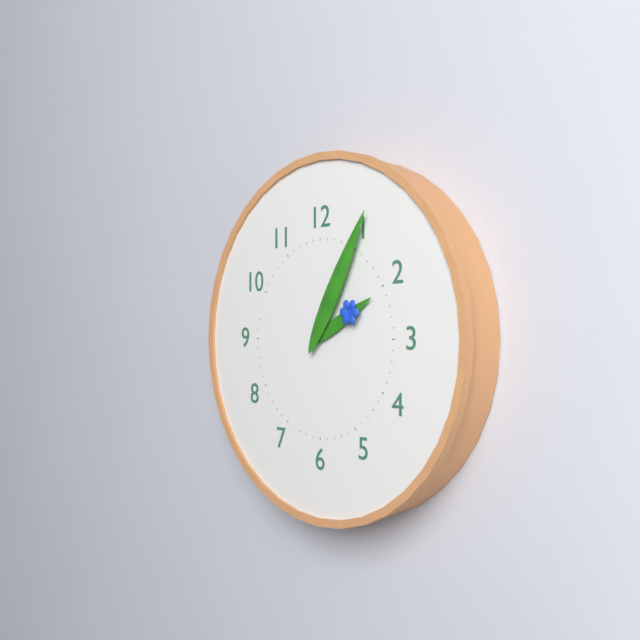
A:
2,05
